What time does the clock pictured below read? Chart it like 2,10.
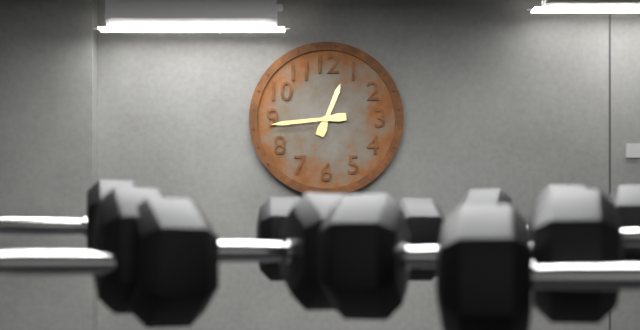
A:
12,44
